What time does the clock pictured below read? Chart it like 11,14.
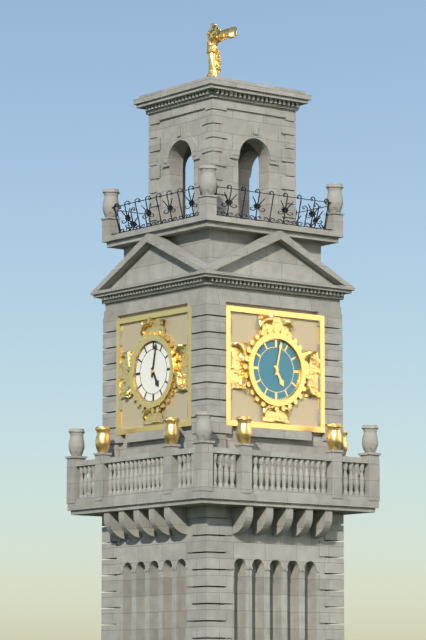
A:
5,02
